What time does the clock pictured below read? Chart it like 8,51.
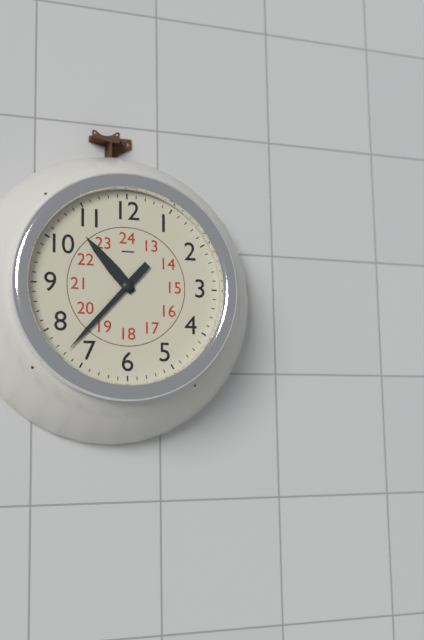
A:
10,37
